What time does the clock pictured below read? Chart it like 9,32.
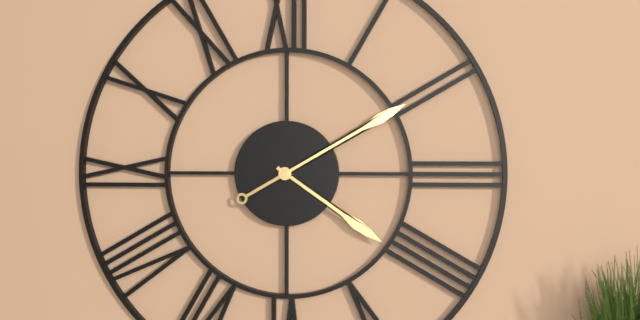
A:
4,10
